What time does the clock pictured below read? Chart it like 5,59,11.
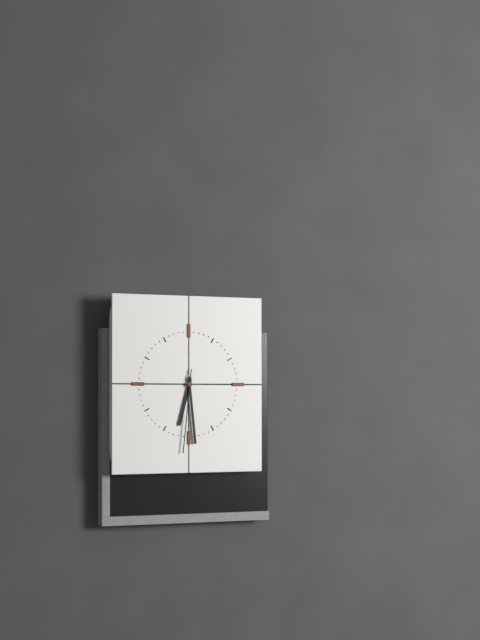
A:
6,29,31
